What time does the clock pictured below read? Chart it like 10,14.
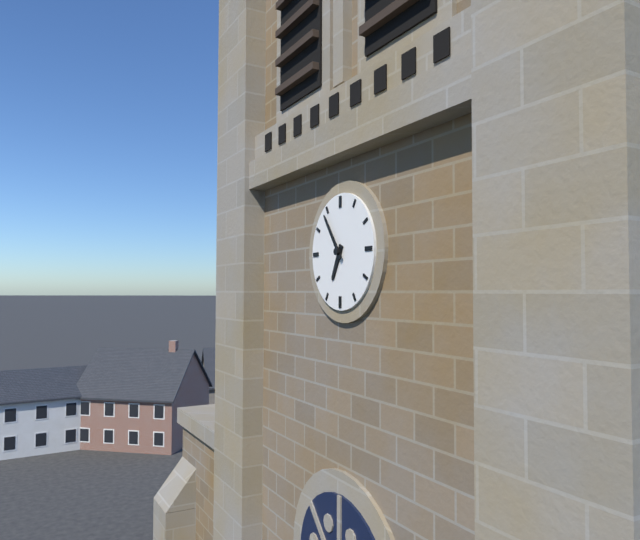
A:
6,54
